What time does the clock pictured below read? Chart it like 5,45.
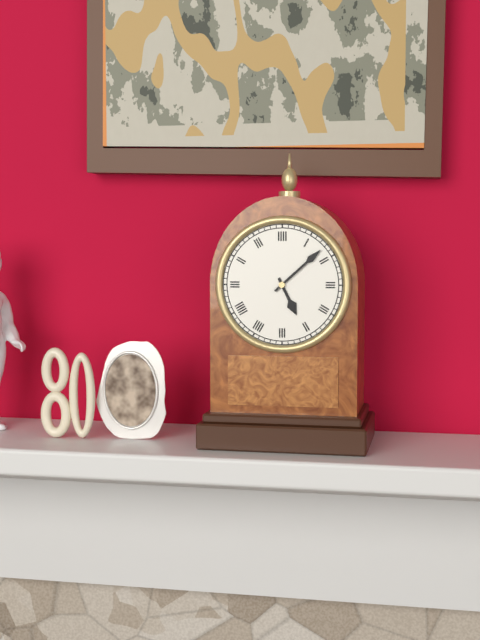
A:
5,08
